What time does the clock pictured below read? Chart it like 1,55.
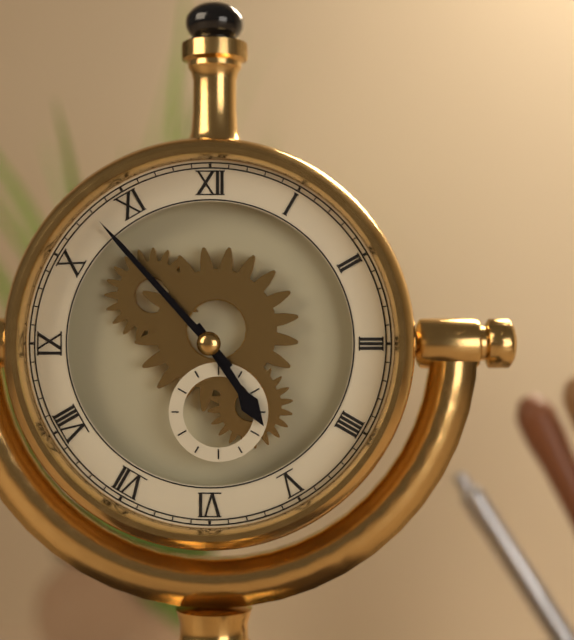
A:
4,53
